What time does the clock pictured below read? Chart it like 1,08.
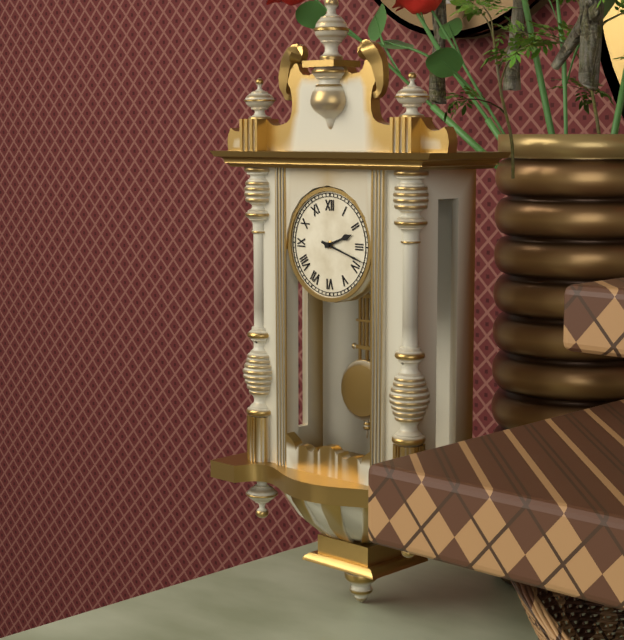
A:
2,18
